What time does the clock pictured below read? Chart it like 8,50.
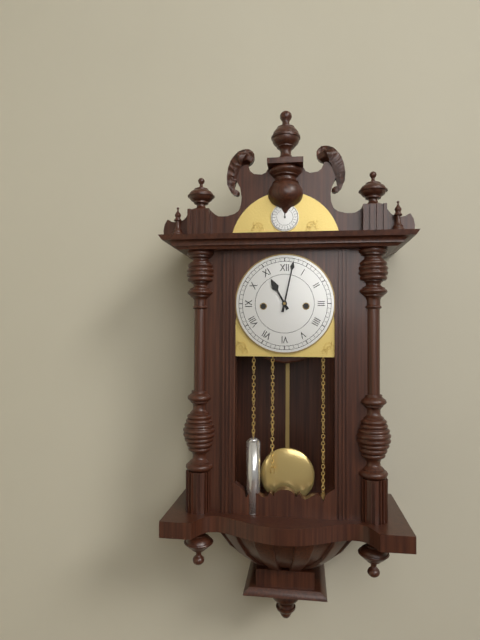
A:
11,02
